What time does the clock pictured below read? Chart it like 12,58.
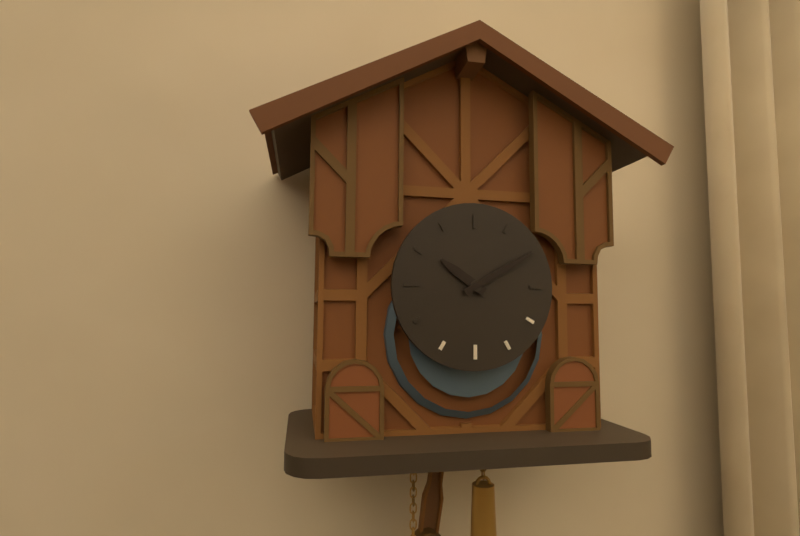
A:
10,10
